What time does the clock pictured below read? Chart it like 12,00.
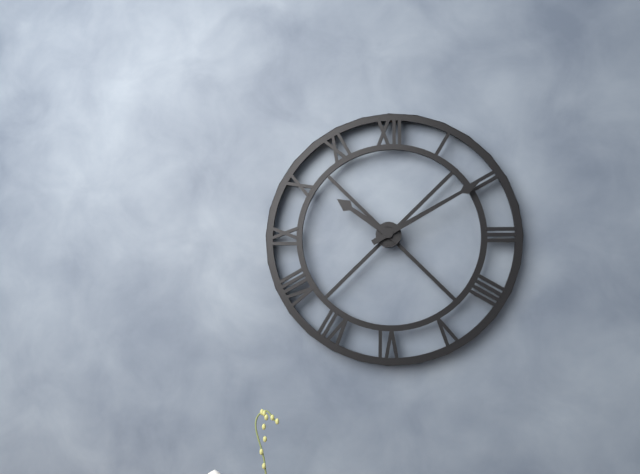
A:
10,10
